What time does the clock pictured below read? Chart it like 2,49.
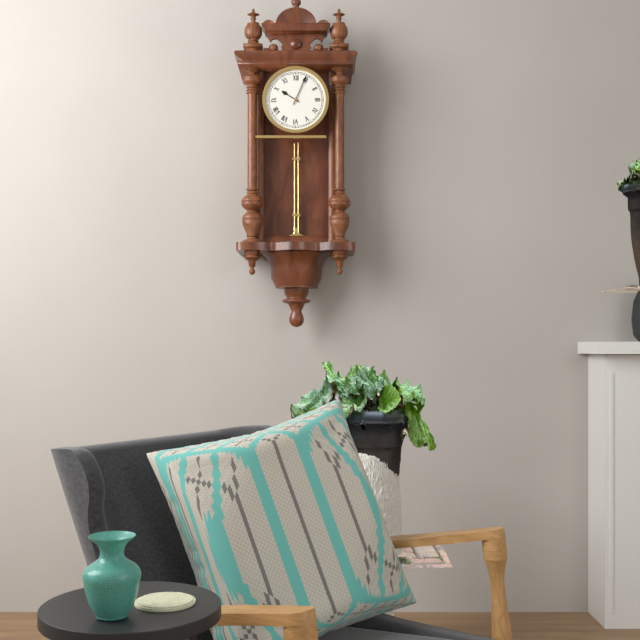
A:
10,04
